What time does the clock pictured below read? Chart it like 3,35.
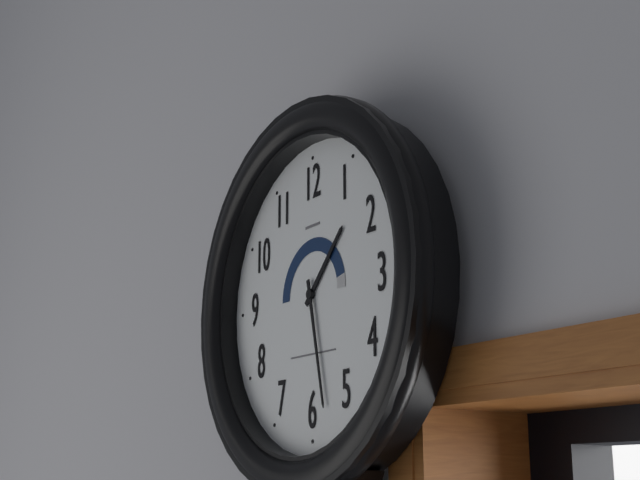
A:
1,28
